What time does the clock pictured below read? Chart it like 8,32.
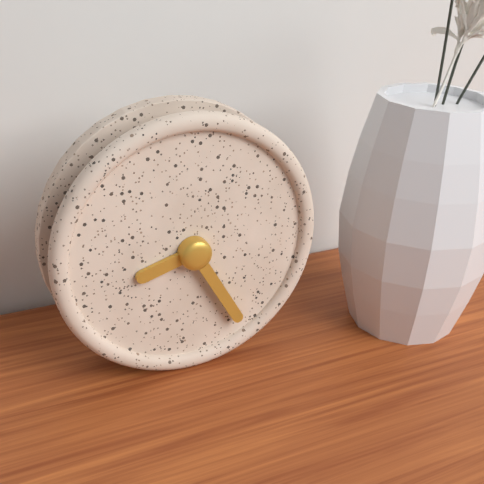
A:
8,25
